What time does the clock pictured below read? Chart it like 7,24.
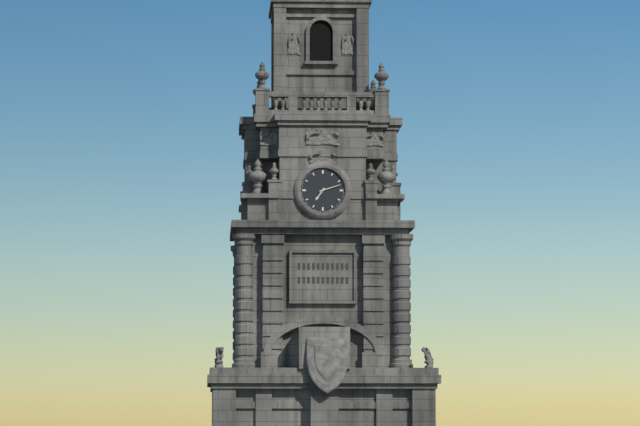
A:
7,12
